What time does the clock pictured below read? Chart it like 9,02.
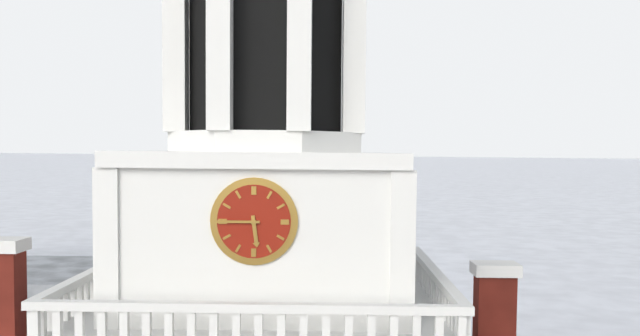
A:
5,45
